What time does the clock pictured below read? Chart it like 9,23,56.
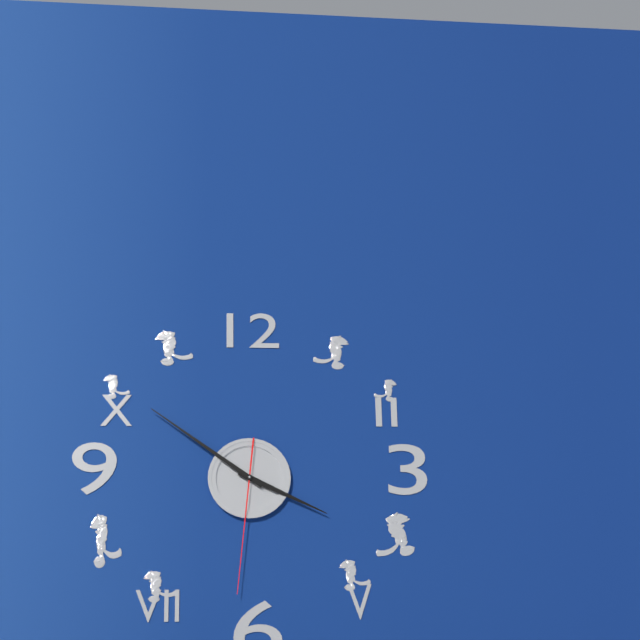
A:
3,51,31
